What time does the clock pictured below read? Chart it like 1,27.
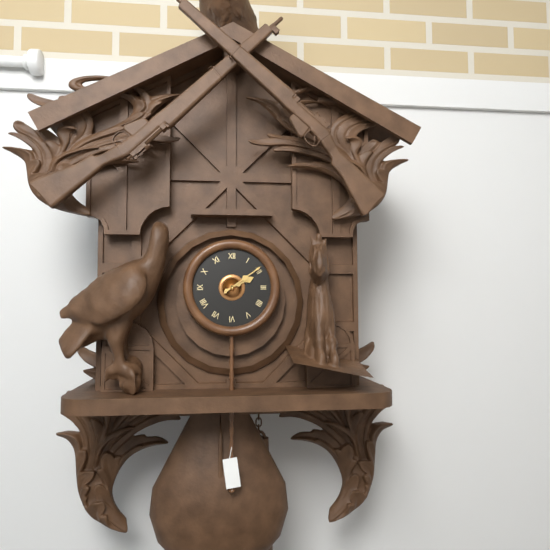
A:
2,09
